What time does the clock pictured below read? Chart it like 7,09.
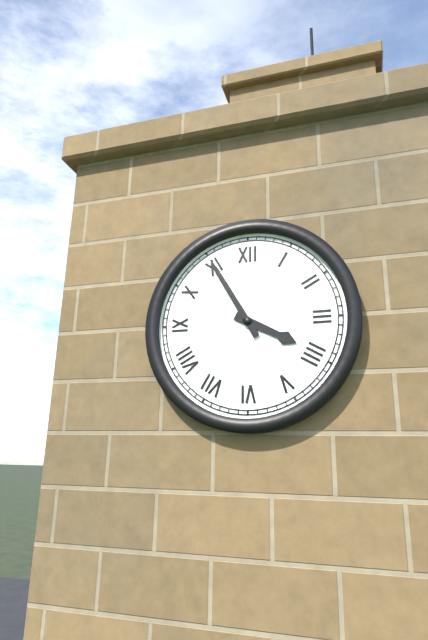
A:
3,55
